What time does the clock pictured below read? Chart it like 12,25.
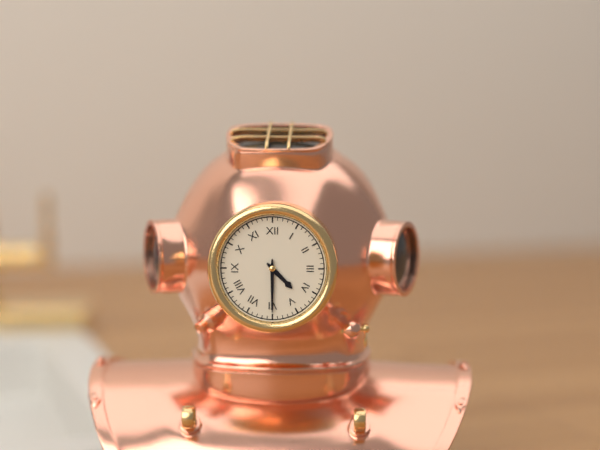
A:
4,30
